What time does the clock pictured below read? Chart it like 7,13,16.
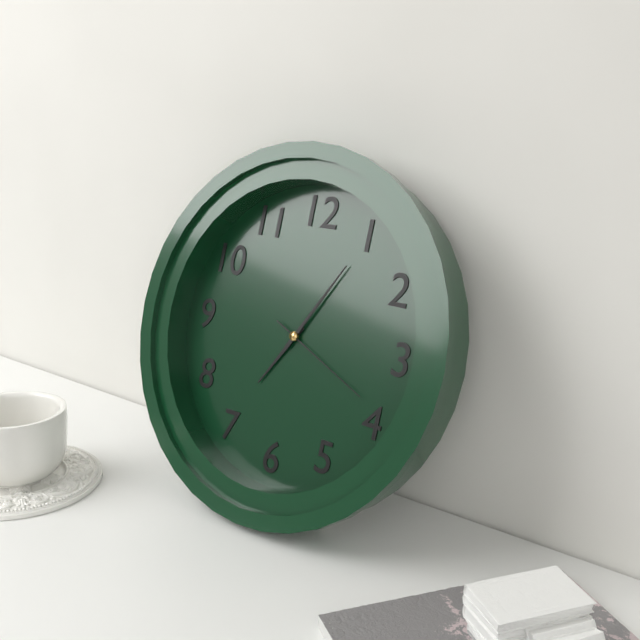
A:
7,05,19
